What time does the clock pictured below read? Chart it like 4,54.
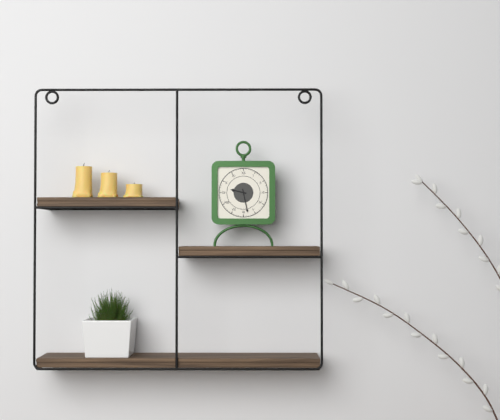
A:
9,28
